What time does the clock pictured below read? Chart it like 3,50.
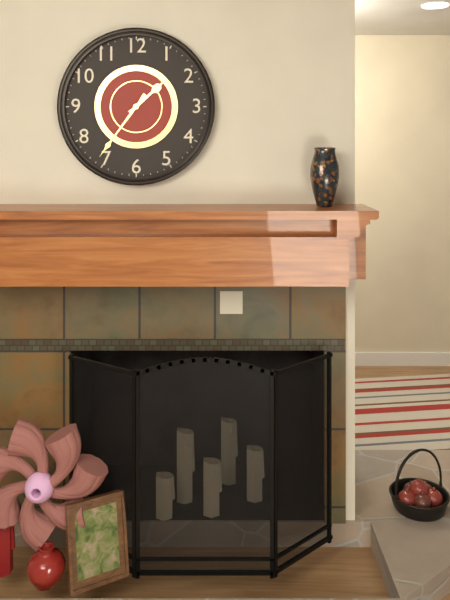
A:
1,36
